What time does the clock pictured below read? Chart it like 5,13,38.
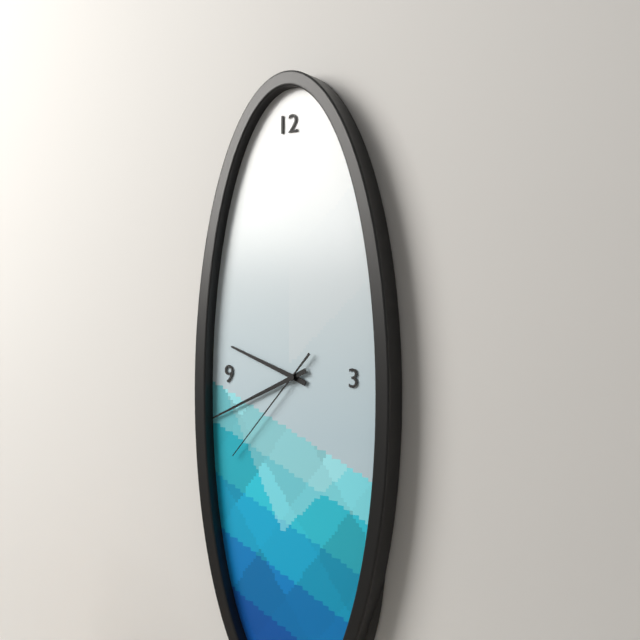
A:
9,41,37
